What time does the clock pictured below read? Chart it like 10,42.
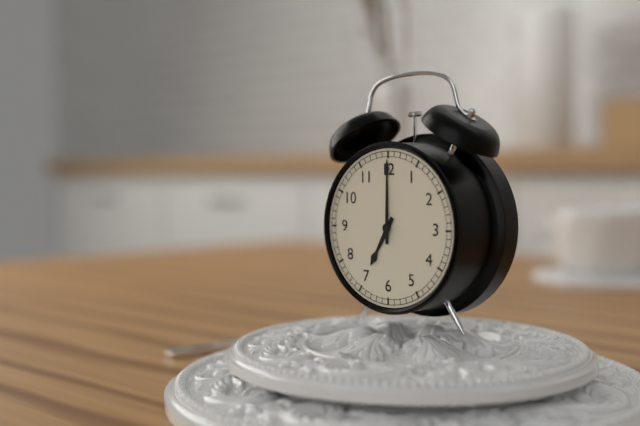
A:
7,00
